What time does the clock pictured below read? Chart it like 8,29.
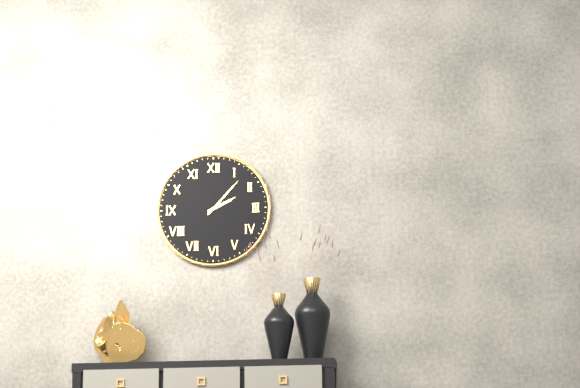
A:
2,07
